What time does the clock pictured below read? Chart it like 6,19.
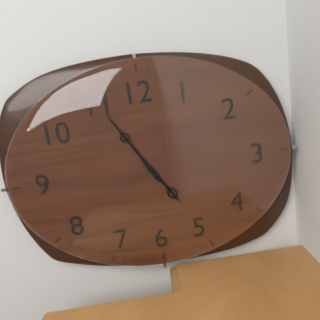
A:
4,55
